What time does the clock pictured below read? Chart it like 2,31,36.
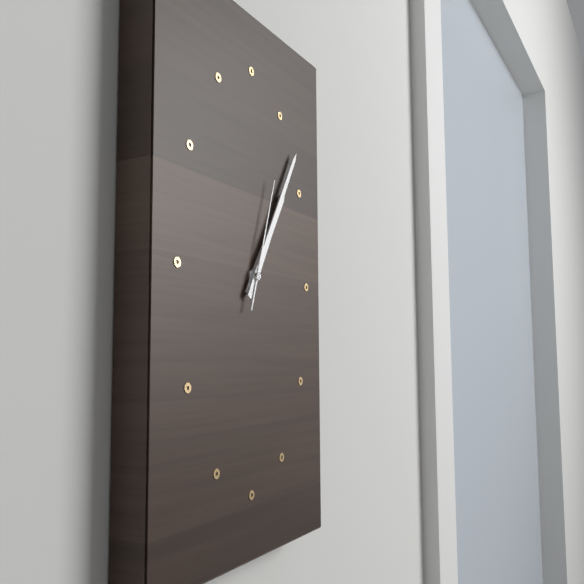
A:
1,05,03
